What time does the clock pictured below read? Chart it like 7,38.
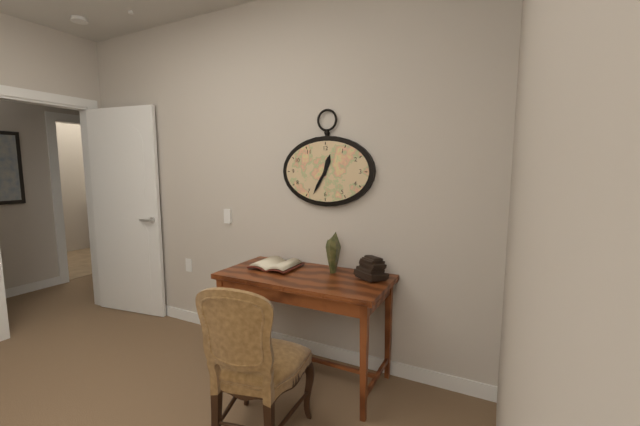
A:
12,35
